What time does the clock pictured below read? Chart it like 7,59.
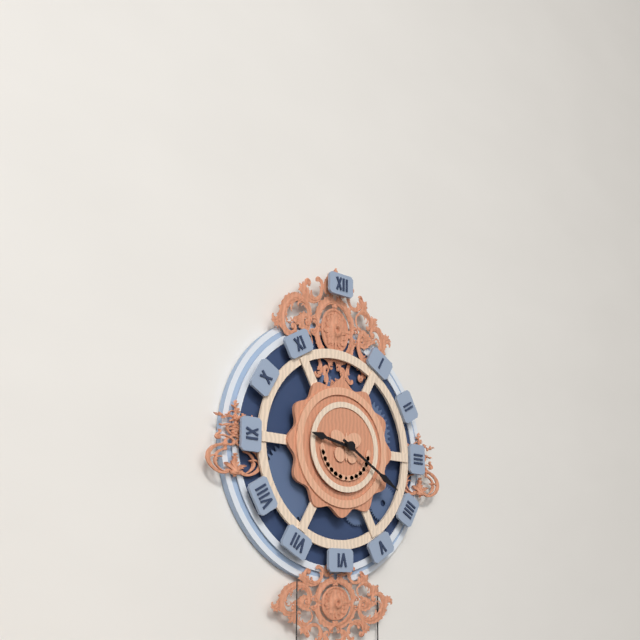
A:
9,20
